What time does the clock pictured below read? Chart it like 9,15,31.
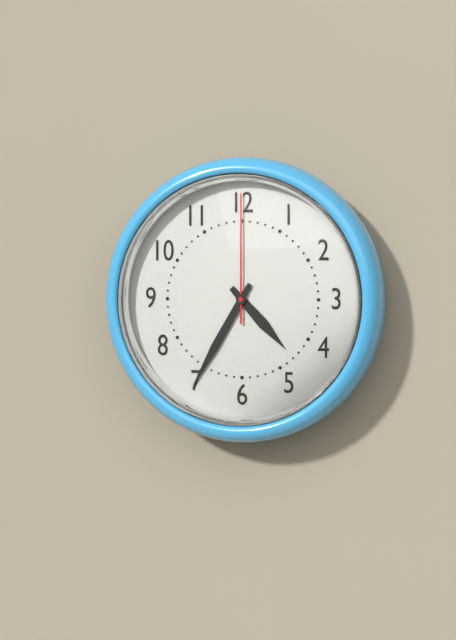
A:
4,35,00
